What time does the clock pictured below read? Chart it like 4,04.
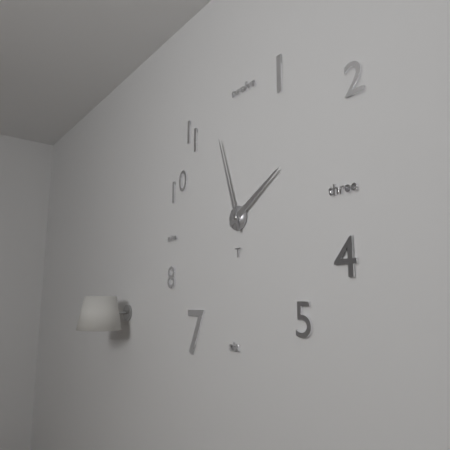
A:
1,57
